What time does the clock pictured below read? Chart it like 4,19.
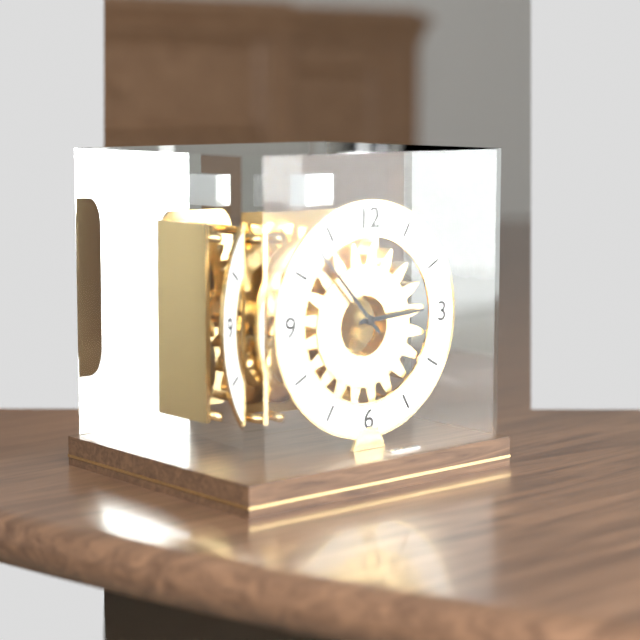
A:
2,53
